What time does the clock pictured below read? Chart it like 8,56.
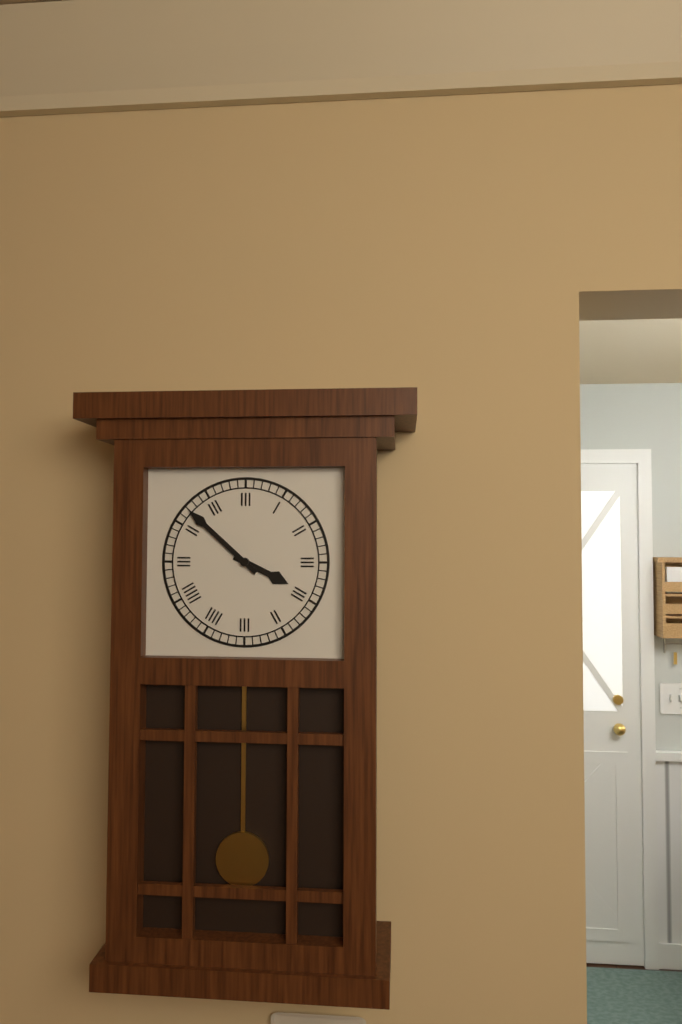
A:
3,52
